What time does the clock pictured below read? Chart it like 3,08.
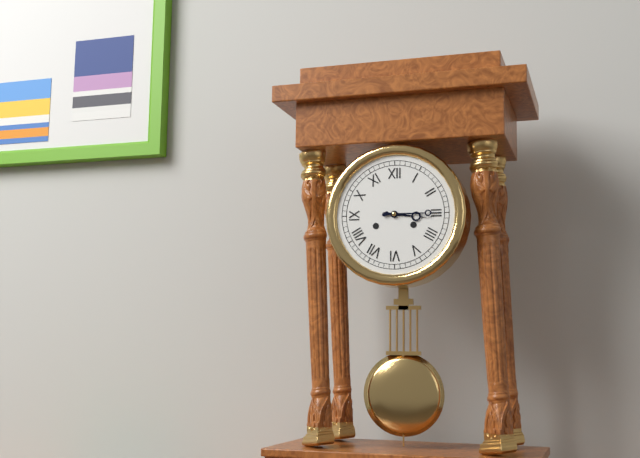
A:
3,15
